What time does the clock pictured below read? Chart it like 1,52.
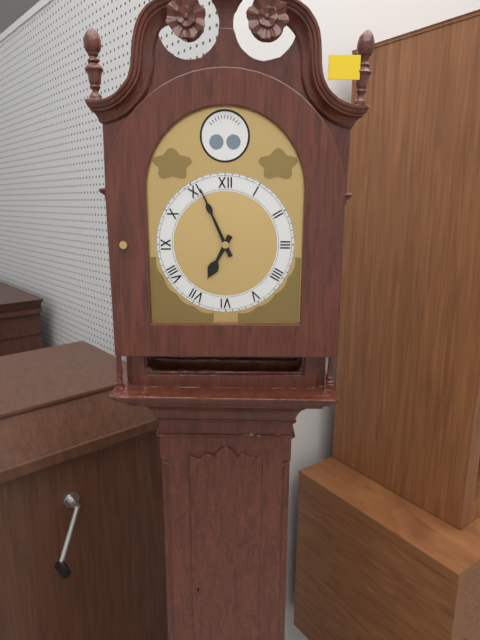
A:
6,56
